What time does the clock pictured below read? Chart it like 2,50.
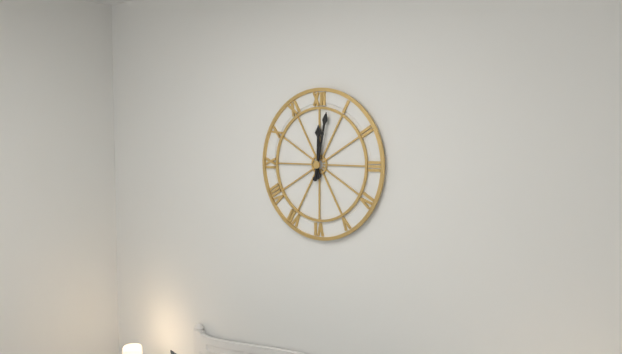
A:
12,02
